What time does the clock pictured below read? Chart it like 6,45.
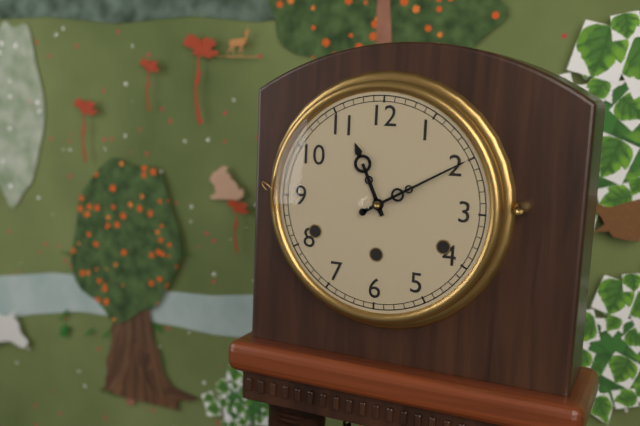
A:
11,10
